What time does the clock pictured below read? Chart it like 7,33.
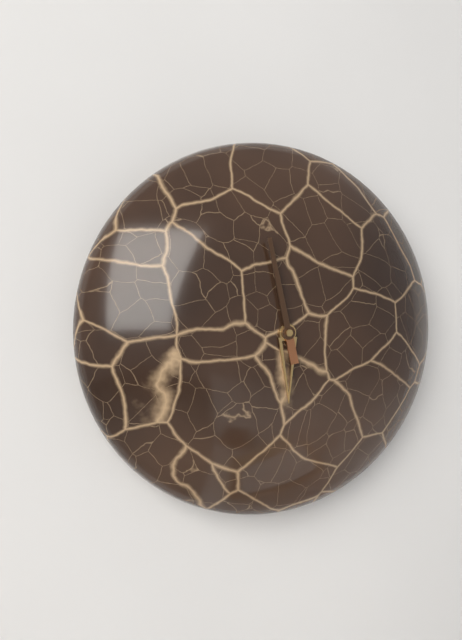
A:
5,58
